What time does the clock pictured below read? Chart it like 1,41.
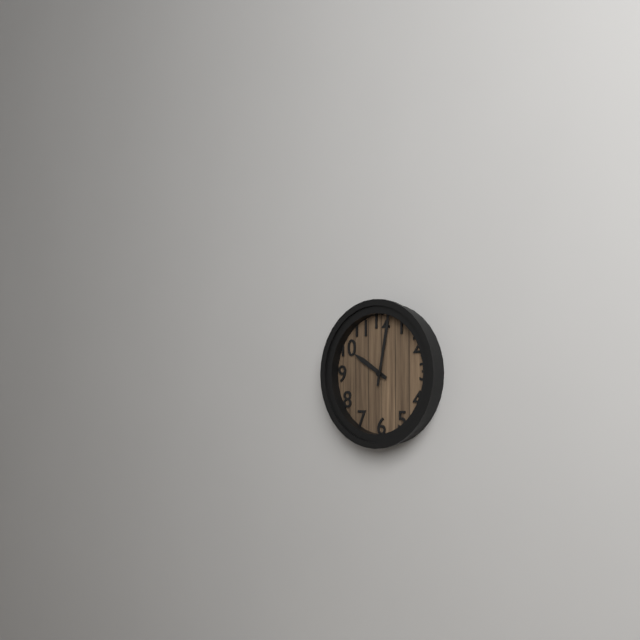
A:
10,02
